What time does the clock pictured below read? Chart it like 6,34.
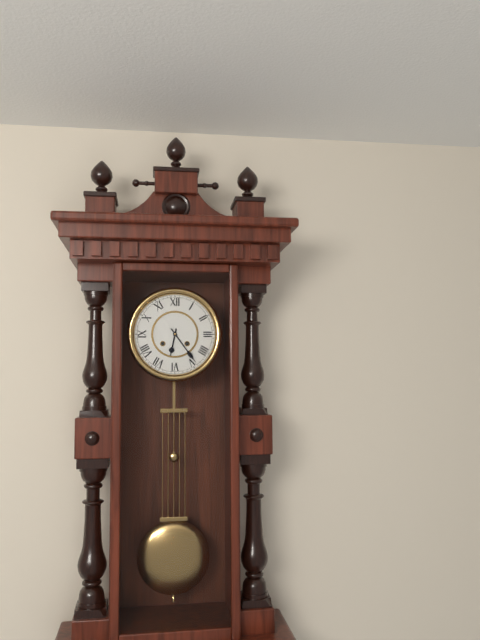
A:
6,24
